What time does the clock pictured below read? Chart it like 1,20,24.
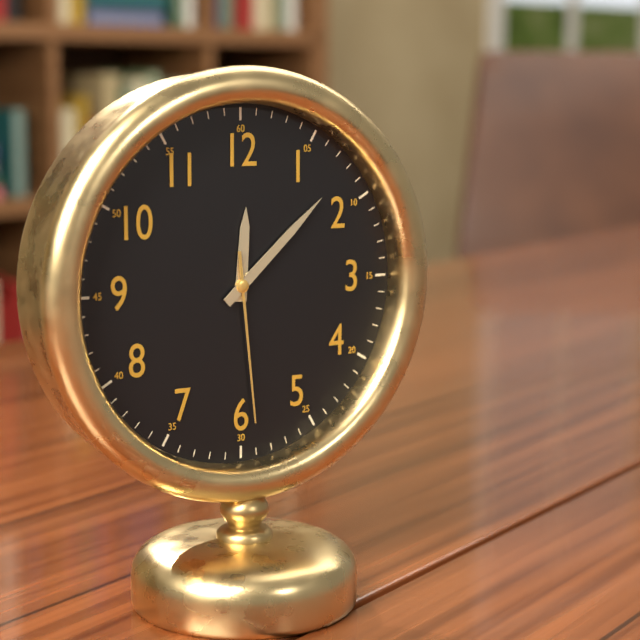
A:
12,08,29
